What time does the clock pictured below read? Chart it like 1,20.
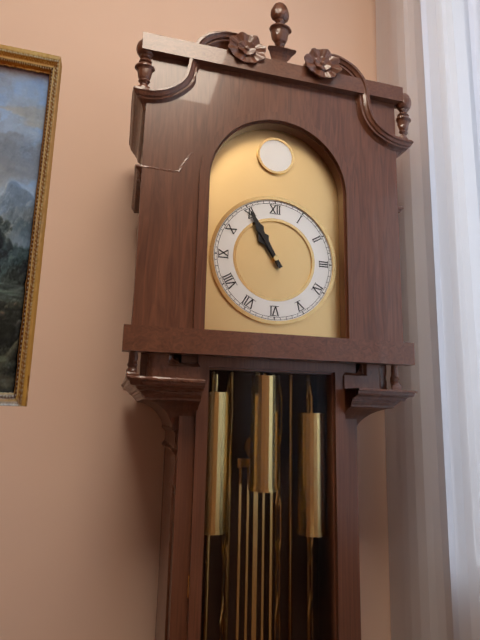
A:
10,55
